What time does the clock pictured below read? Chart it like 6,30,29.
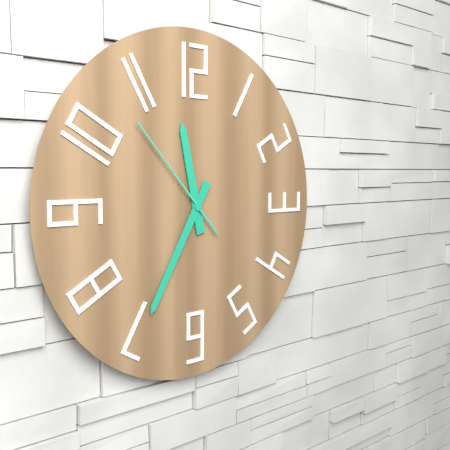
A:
11,35,53
